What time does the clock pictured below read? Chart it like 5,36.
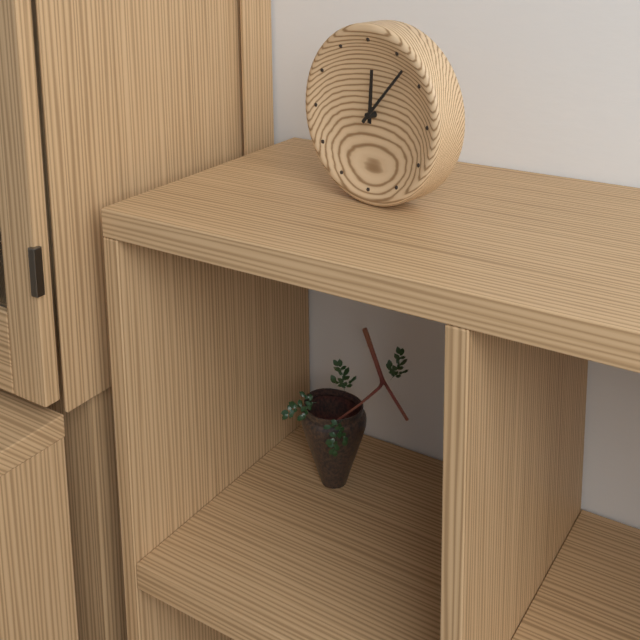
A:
12,07
